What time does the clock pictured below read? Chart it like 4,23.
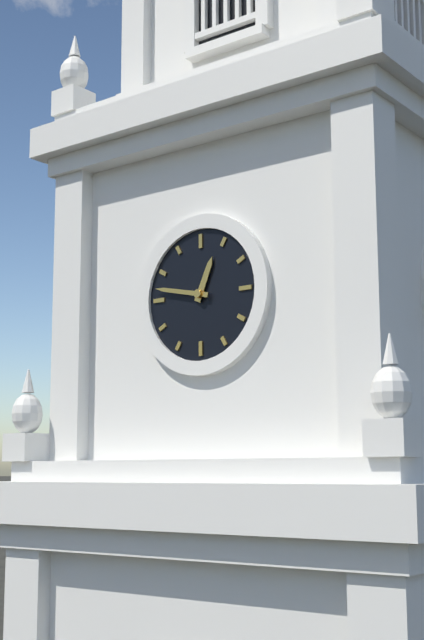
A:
12,47
